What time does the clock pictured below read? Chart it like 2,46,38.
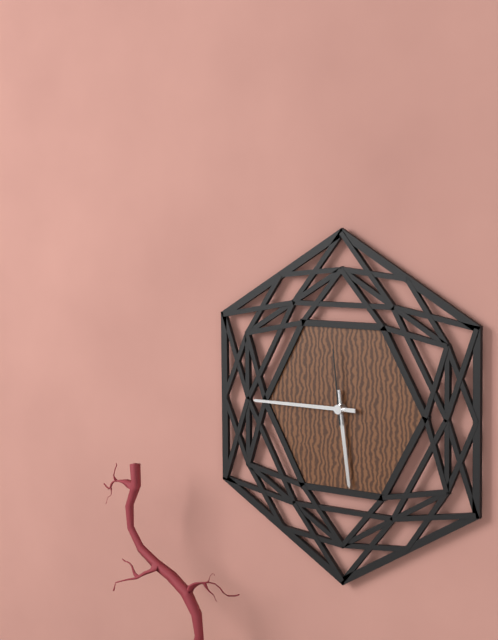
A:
5,45,59
